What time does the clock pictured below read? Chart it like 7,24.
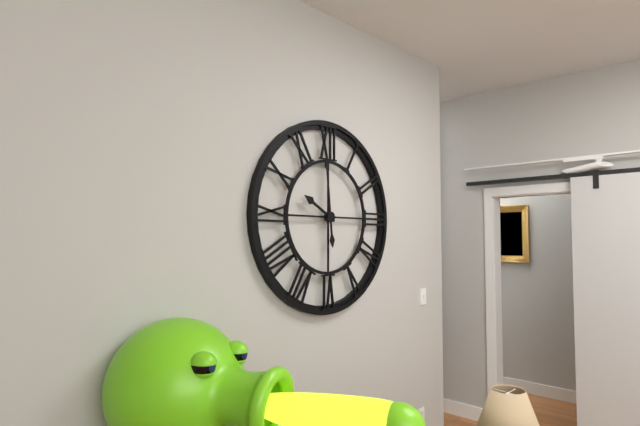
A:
9,59
